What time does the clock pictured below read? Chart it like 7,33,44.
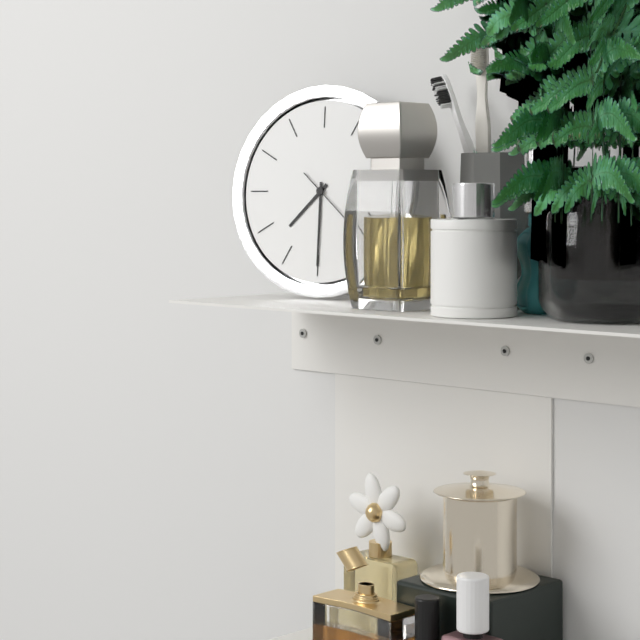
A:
7,30,22
